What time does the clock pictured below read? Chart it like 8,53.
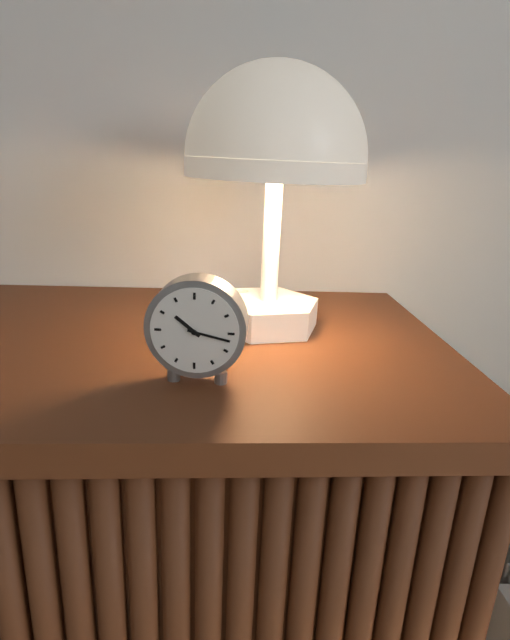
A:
10,17
